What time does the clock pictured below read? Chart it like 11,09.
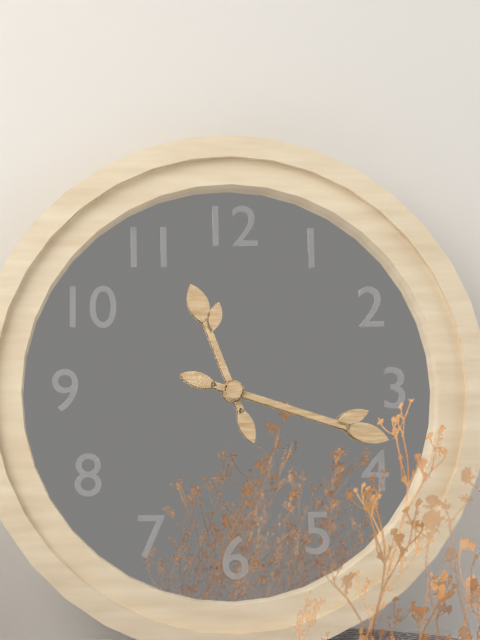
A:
11,18
